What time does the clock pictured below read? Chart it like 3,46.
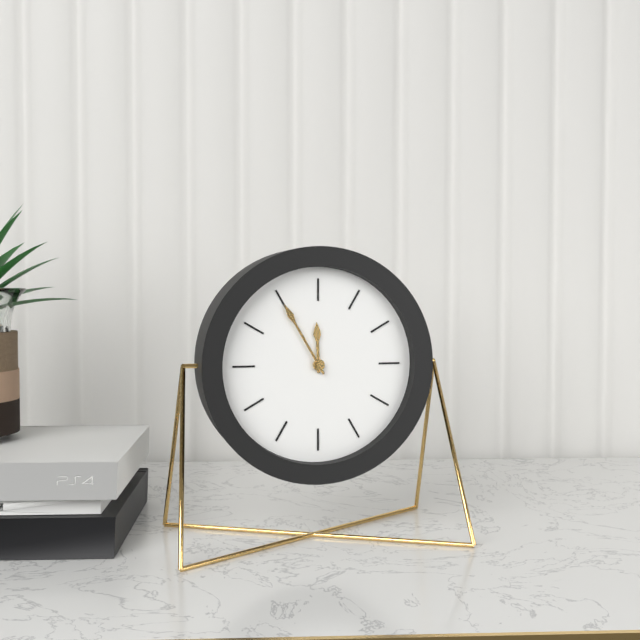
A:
11,55
